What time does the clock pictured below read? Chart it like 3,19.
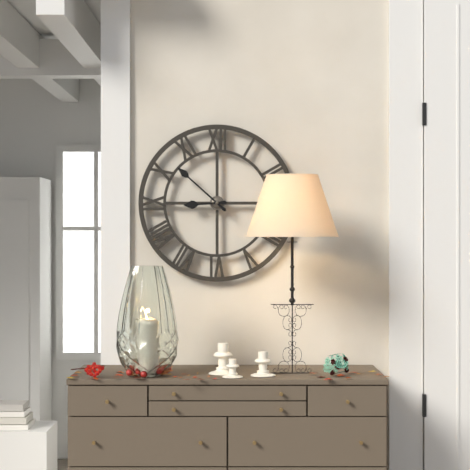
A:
8,52
